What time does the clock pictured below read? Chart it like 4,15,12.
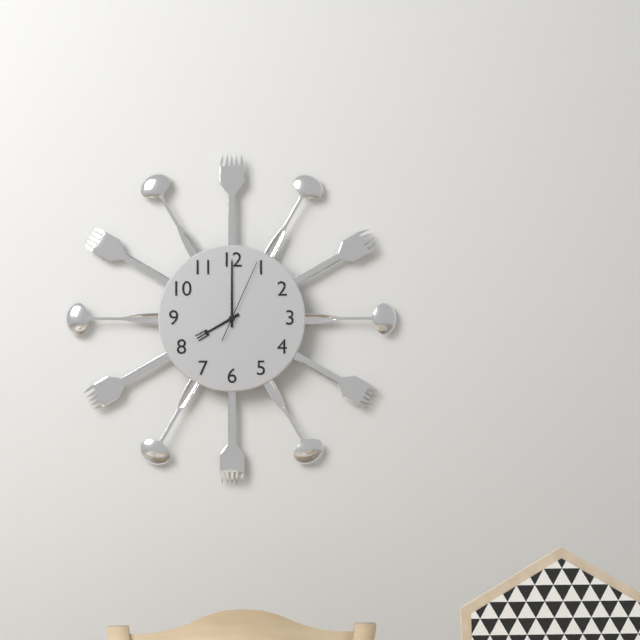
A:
8,00,04
